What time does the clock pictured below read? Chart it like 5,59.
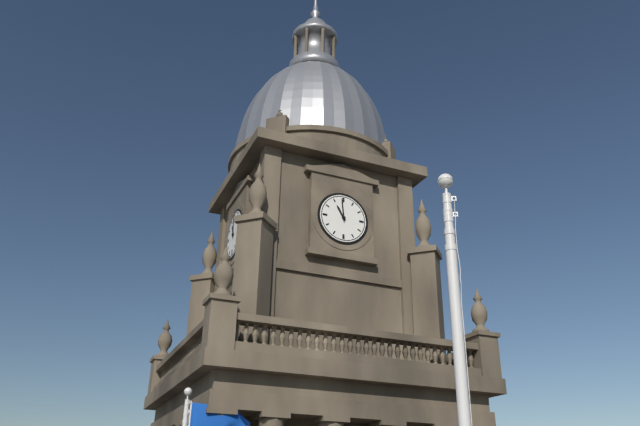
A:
10,59
